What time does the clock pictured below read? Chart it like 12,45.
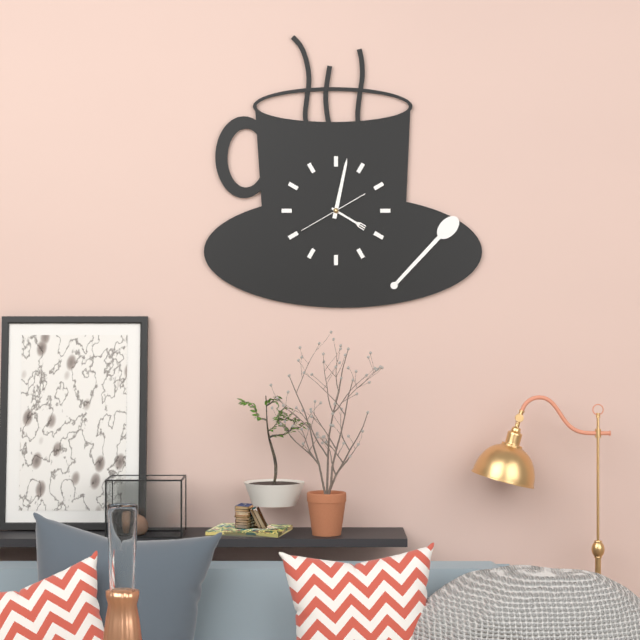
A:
4,02
